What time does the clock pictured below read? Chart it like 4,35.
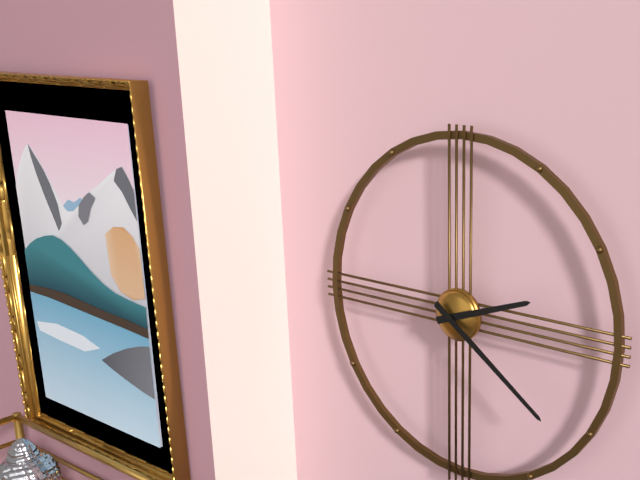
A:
2,21
